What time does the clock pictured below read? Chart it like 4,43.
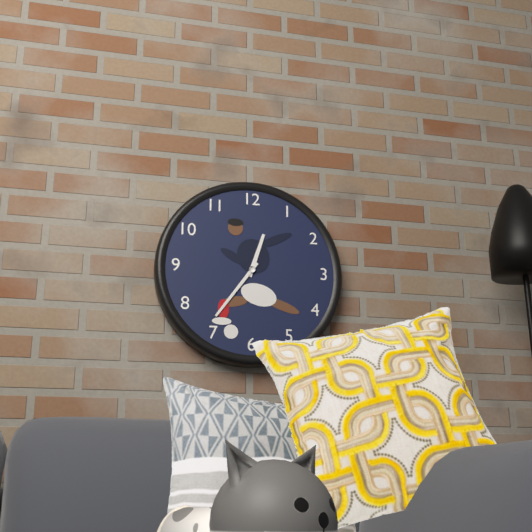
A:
12,36
